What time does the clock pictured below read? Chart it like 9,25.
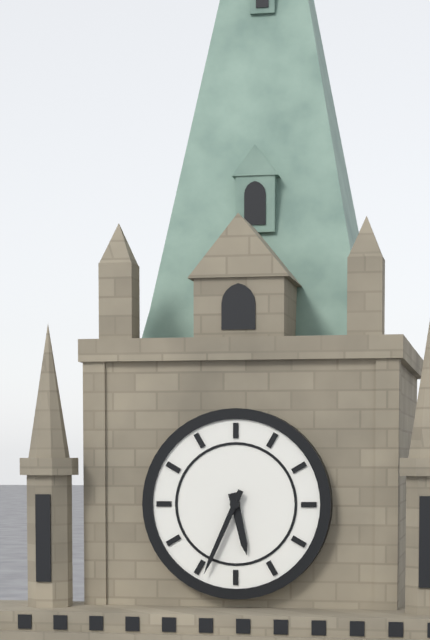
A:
5,34
